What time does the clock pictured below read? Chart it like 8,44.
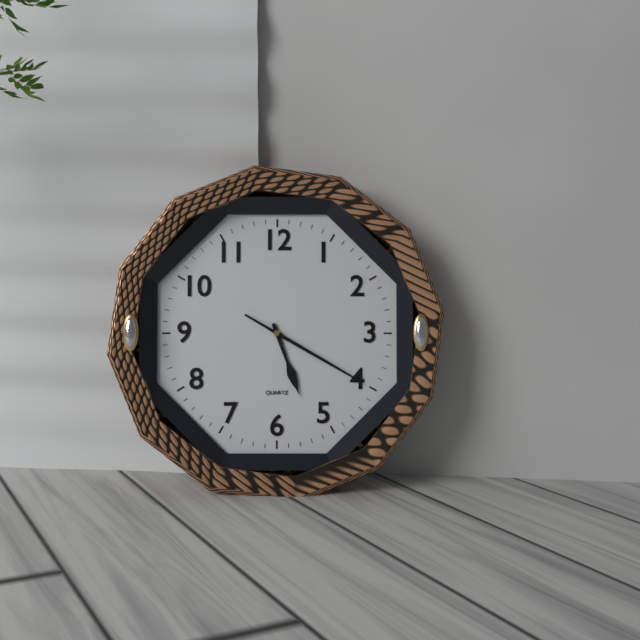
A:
5,20
